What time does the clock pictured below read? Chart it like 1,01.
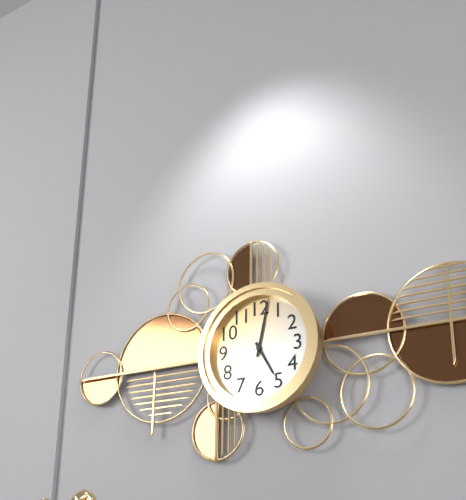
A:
5,02
